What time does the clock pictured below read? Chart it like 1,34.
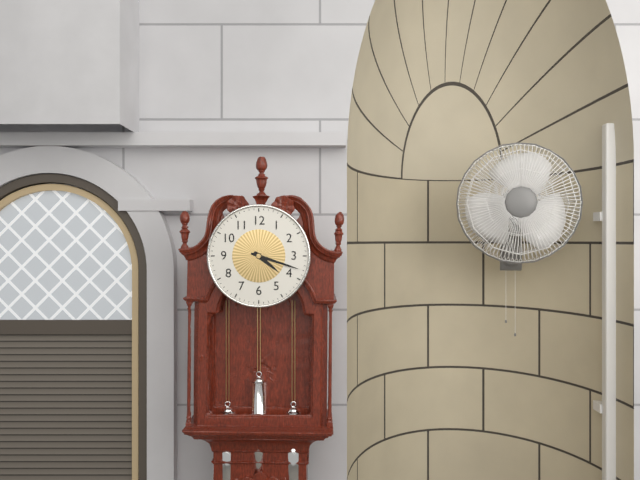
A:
4,18
